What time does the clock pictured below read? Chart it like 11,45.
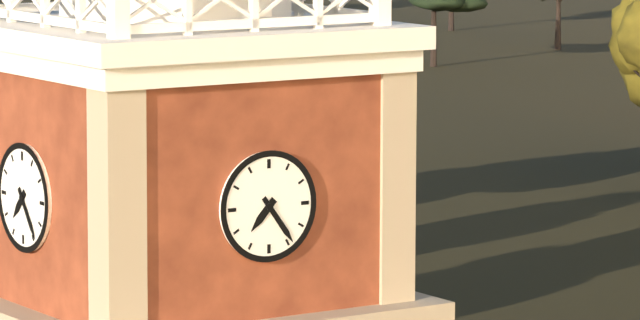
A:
7,24
